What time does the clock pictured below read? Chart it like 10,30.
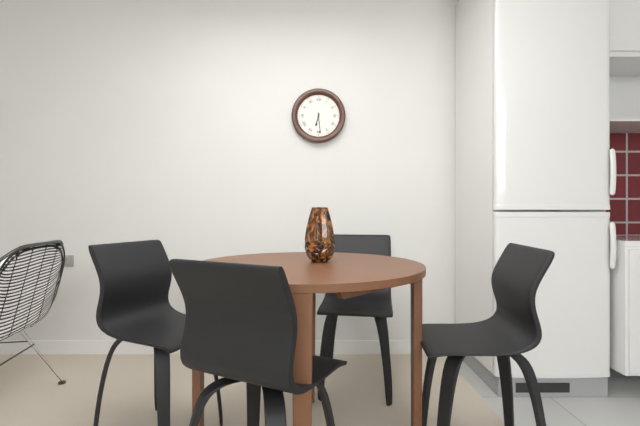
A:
6,29
